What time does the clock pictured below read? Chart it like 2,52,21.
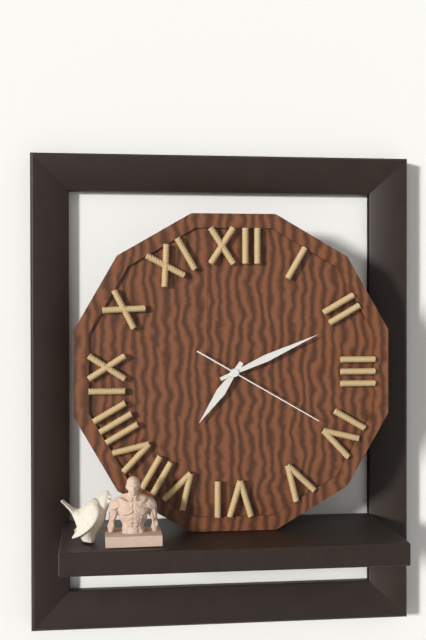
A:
7,11,20
